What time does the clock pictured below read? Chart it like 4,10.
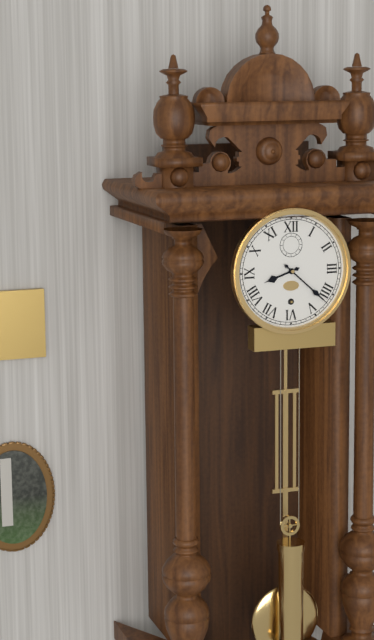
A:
8,22
